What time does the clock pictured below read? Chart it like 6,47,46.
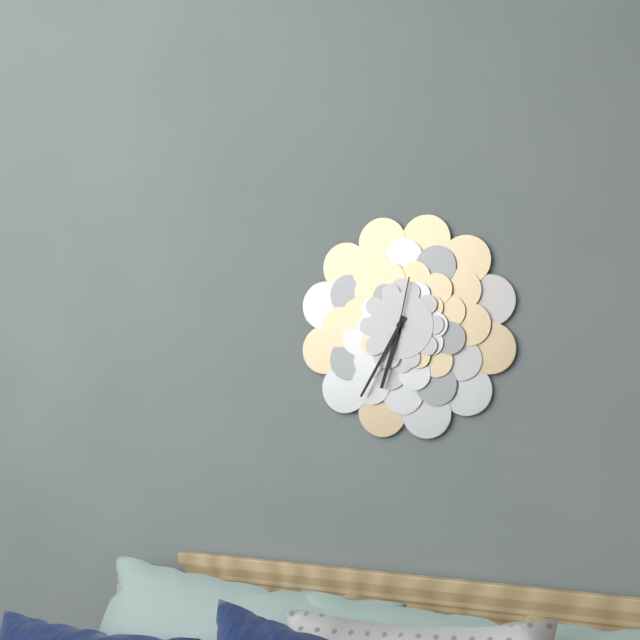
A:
6,35,02
